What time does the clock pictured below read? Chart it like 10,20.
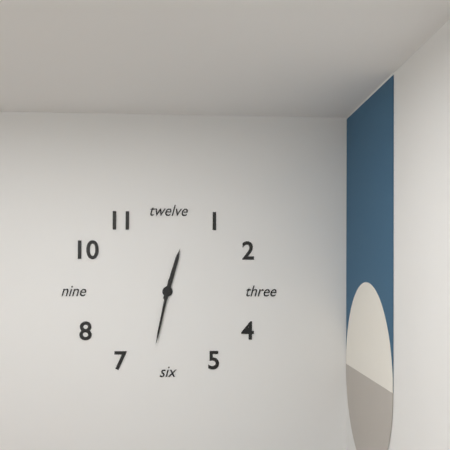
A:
12,32
